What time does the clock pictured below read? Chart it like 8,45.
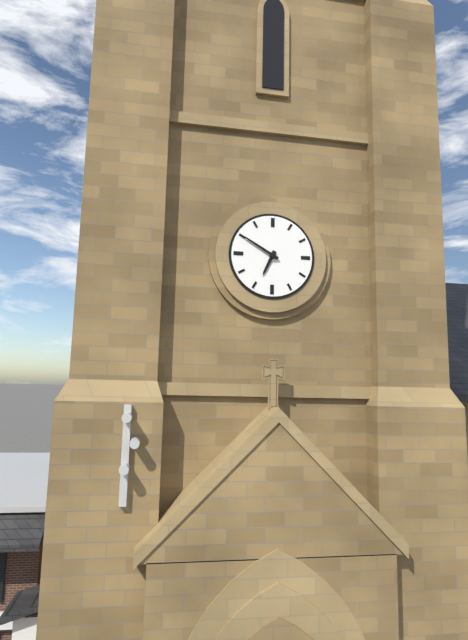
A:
6,50
